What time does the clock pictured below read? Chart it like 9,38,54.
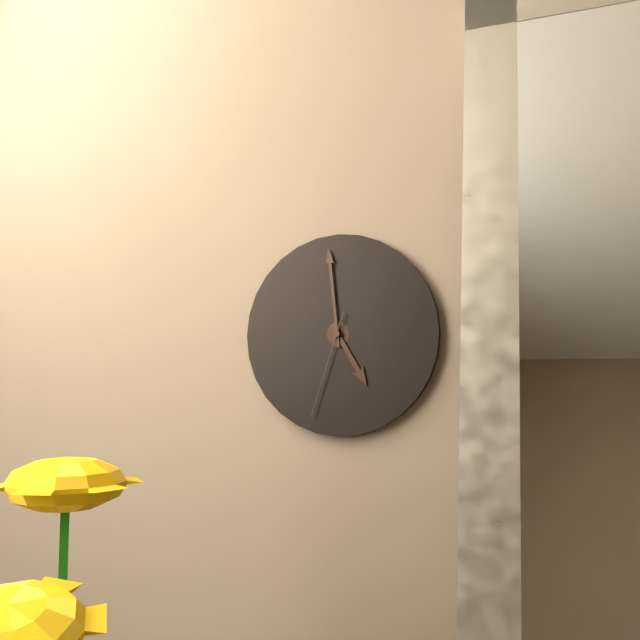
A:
4,59,33
